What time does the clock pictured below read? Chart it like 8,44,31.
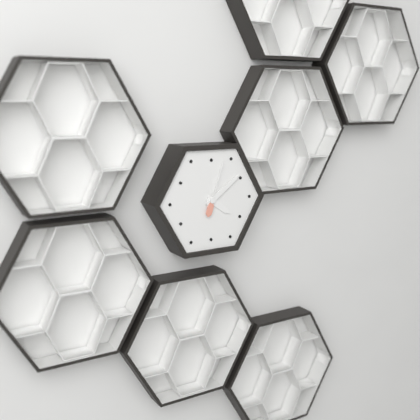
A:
4,09,03
